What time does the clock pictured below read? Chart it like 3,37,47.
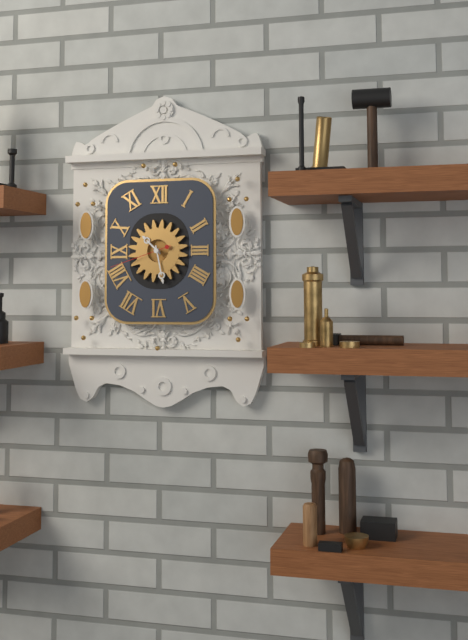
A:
10,28,42
